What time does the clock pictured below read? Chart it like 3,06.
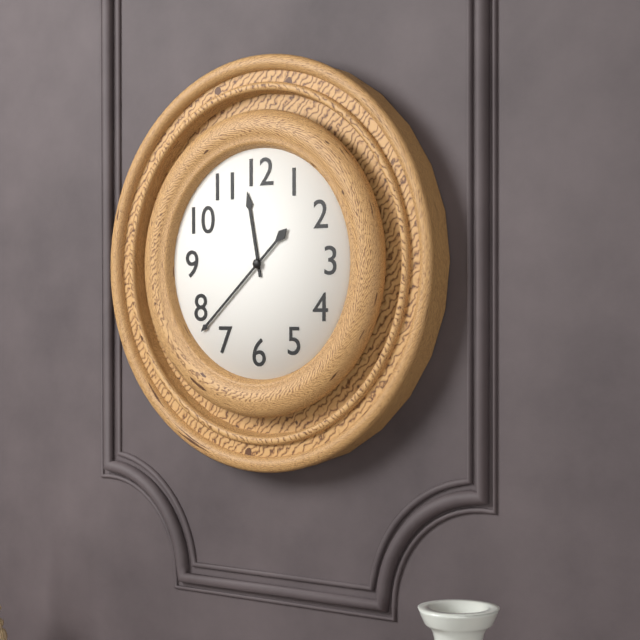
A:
11,38
